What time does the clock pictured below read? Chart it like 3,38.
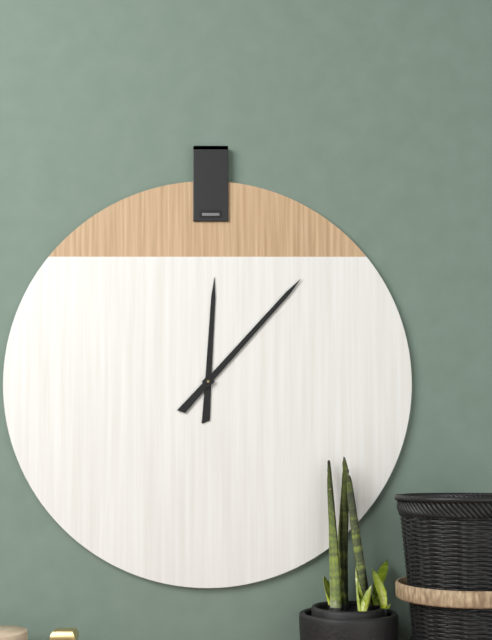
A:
12,07
